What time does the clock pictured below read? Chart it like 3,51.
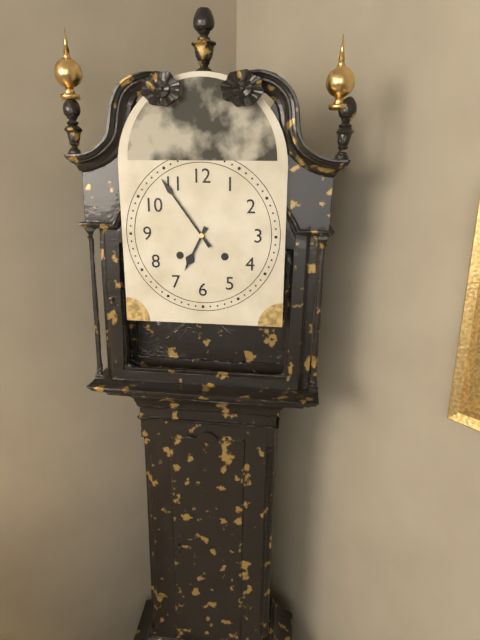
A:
6,54
